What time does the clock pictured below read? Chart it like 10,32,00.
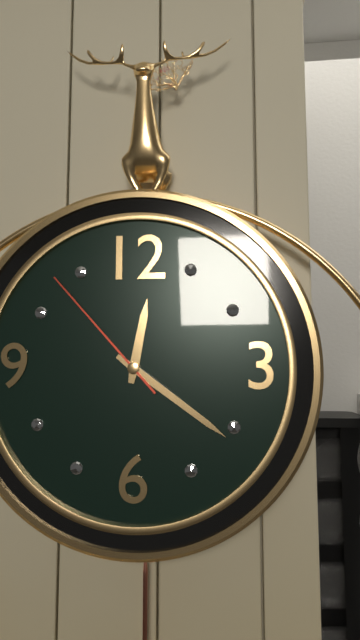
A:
12,21,53
